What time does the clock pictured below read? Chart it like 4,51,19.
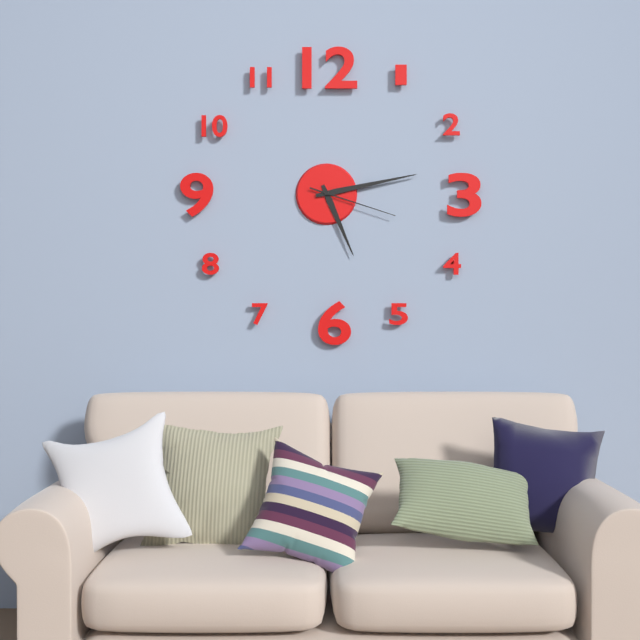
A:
5,13,18
